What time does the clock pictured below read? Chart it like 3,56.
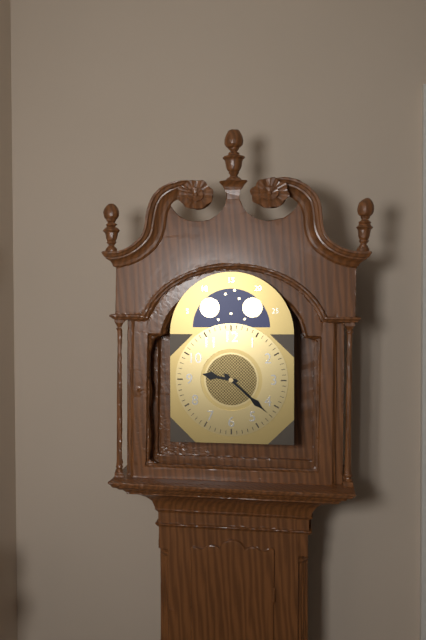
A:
9,22
